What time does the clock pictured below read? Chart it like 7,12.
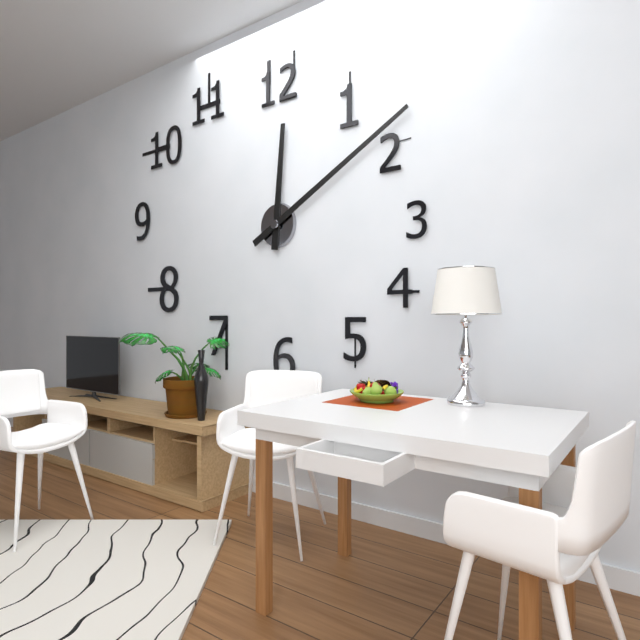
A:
12,10
